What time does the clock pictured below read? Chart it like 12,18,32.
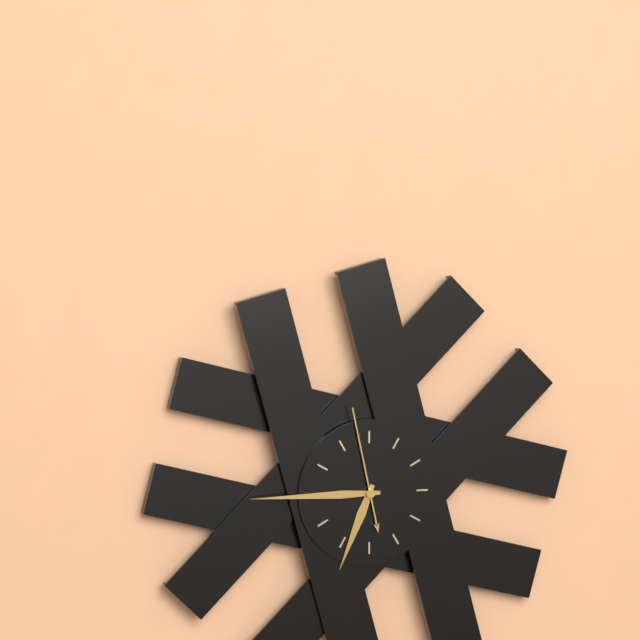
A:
6,45,58
